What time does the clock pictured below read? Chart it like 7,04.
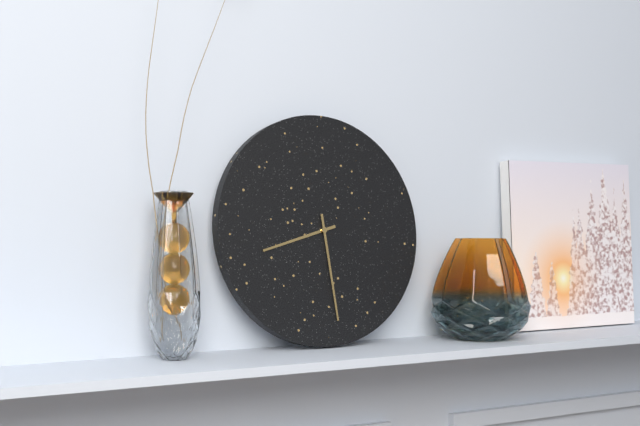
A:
8,29
